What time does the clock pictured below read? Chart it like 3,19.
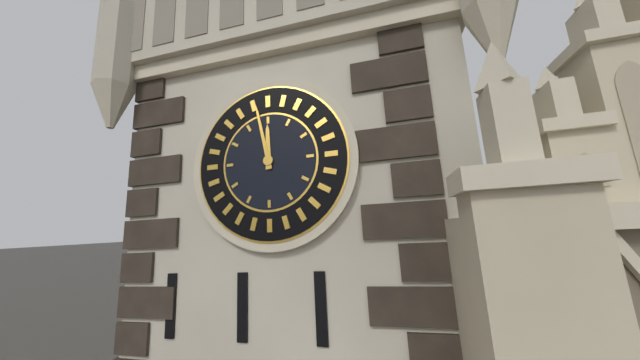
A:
11,58
